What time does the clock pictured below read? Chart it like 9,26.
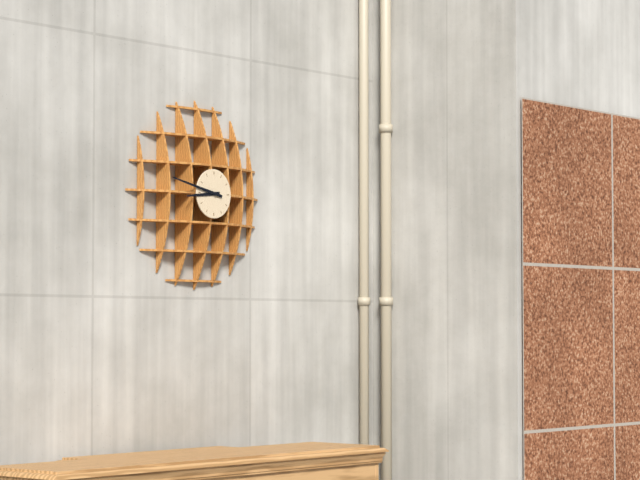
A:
8,47
